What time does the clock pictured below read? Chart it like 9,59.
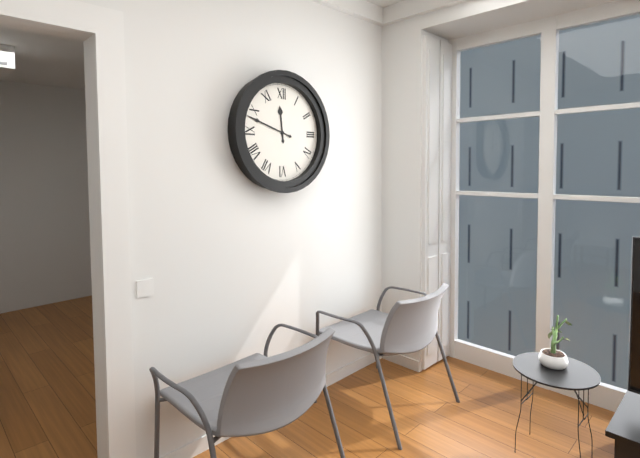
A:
11,48
